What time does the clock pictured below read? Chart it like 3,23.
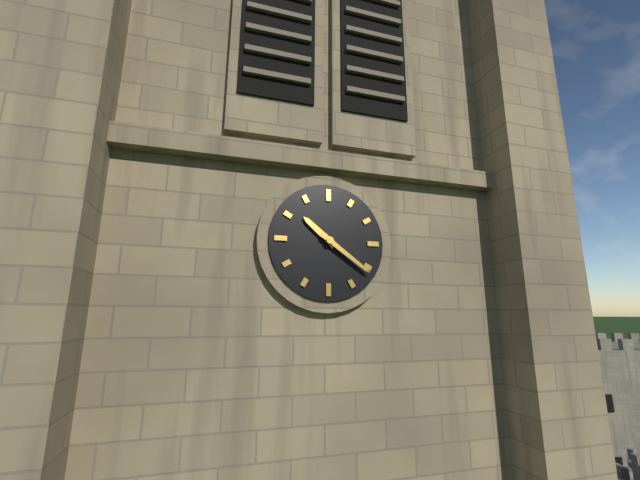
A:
10,21
